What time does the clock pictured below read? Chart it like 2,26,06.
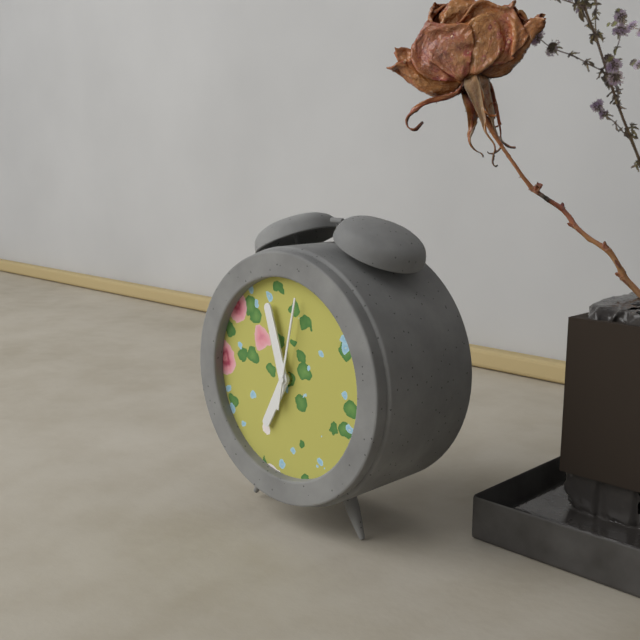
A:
6,57,02
